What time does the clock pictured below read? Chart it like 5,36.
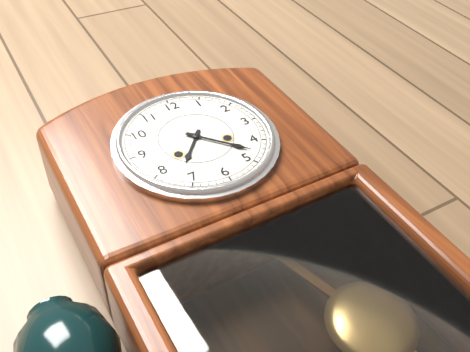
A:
7,23
